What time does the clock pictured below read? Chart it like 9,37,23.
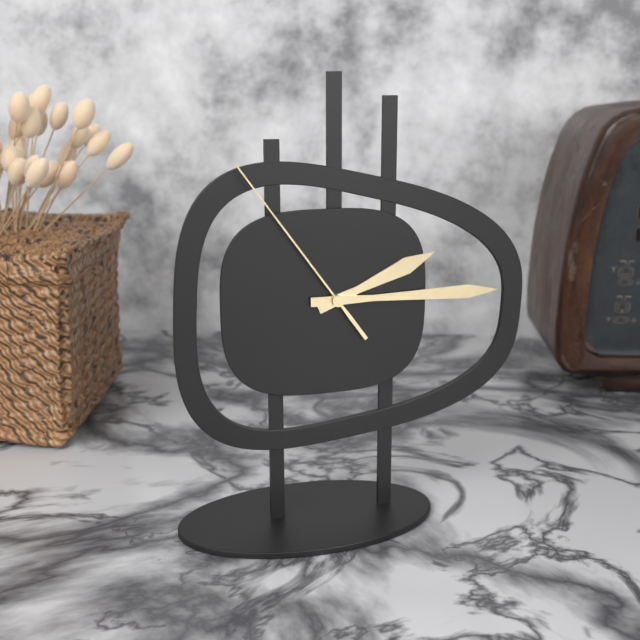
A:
2,15,54
